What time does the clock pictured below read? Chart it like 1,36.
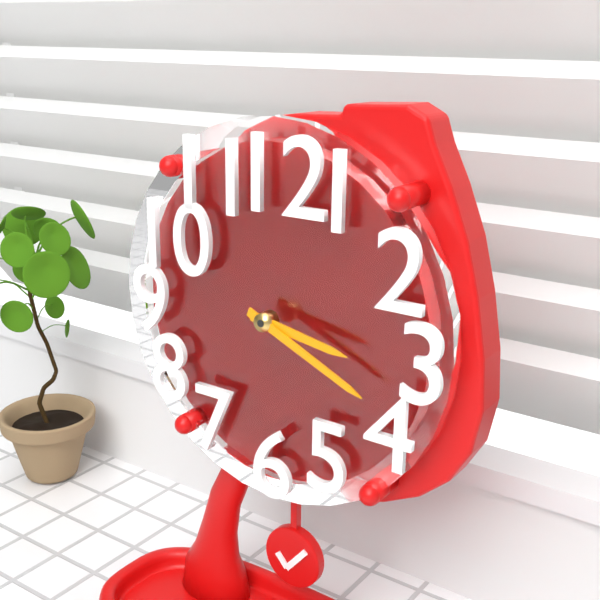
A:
3,19
